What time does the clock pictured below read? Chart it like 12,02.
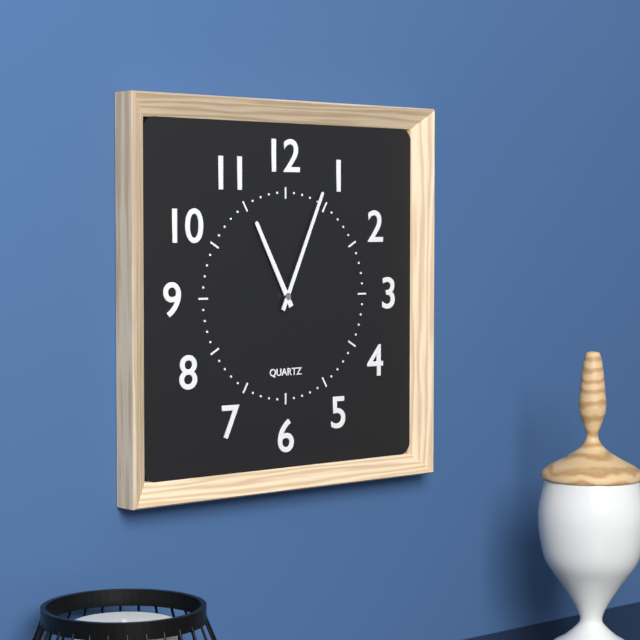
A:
11,04
